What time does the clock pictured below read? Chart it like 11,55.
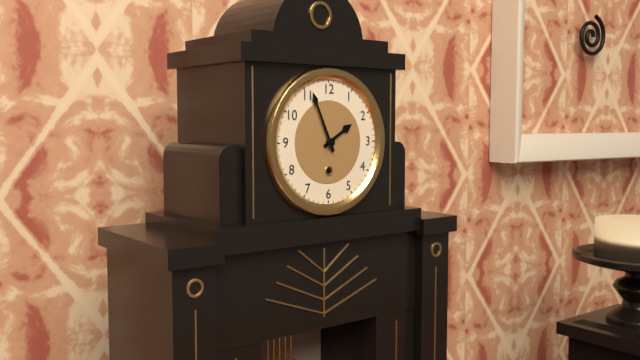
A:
1,56
